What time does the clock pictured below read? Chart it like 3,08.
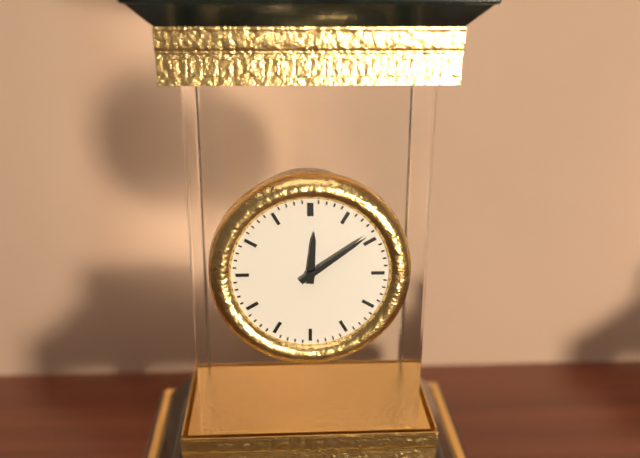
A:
12,09
